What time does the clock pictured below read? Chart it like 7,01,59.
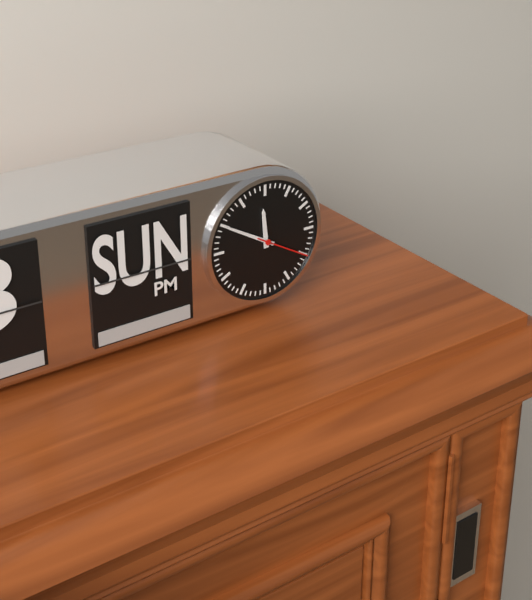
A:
11,50,20
